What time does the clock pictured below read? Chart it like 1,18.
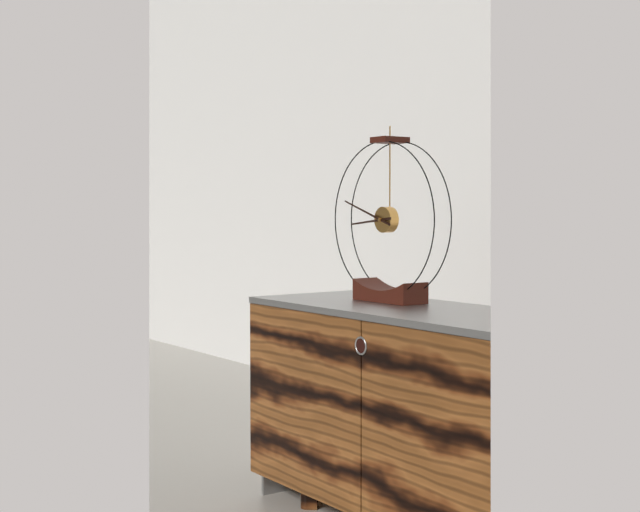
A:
8,48
